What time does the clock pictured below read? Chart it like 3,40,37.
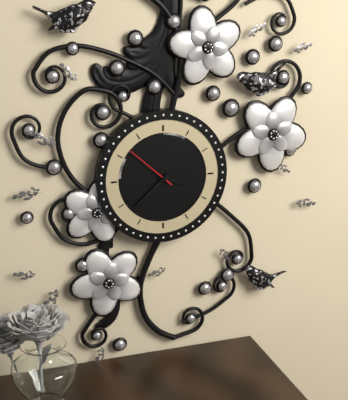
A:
3,38,52
